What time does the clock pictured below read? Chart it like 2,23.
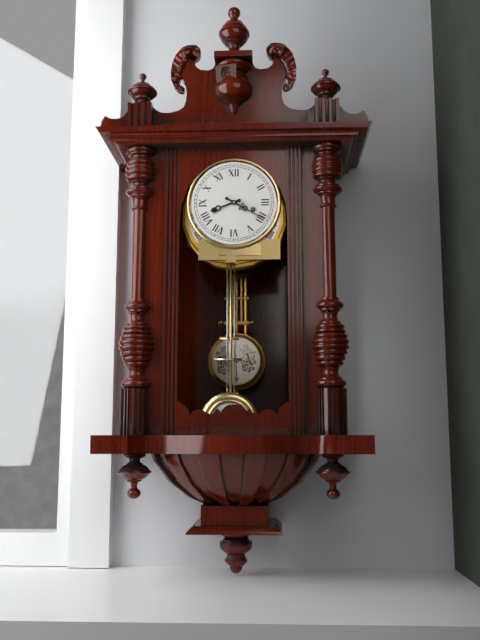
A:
8,20
